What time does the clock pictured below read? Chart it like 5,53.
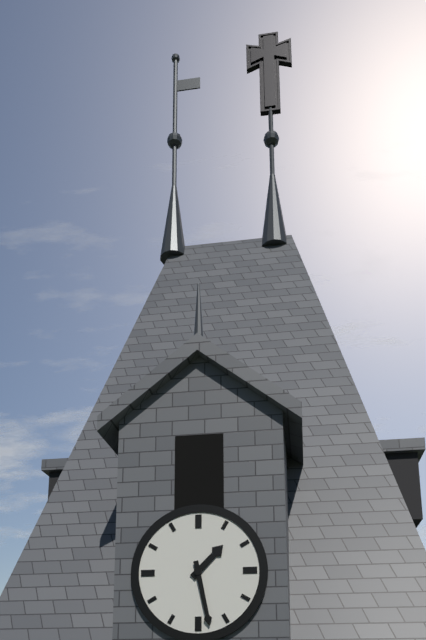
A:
1,28
